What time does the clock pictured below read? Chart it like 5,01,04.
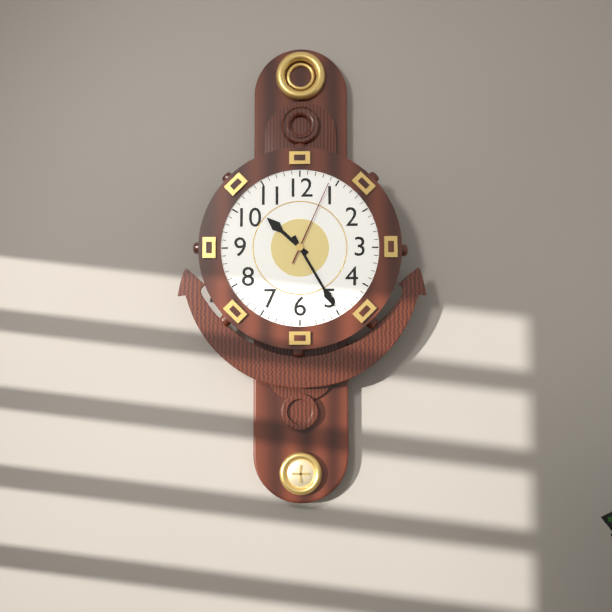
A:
10,25,04
